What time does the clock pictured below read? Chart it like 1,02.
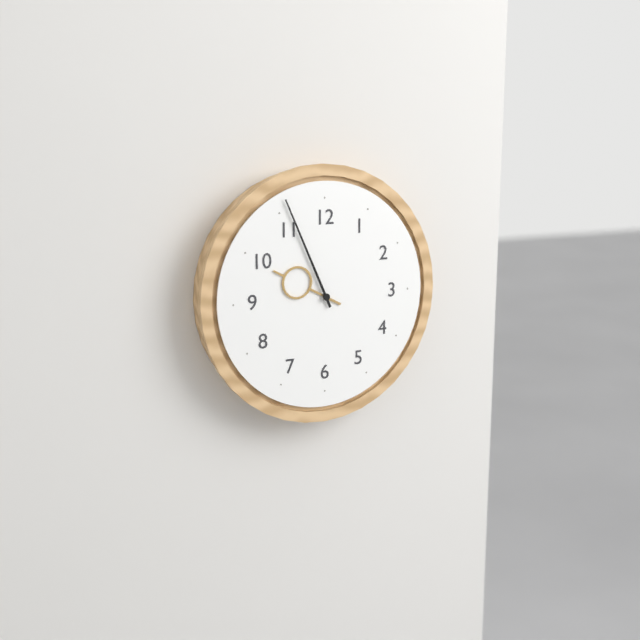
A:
9,56
